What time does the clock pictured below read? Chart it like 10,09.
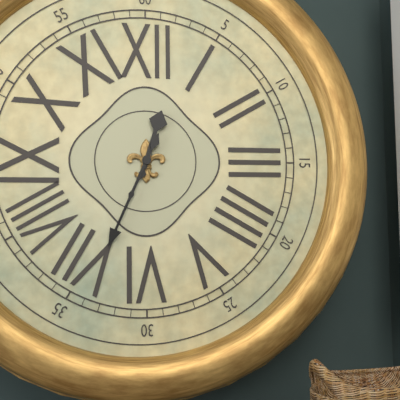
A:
12,34
